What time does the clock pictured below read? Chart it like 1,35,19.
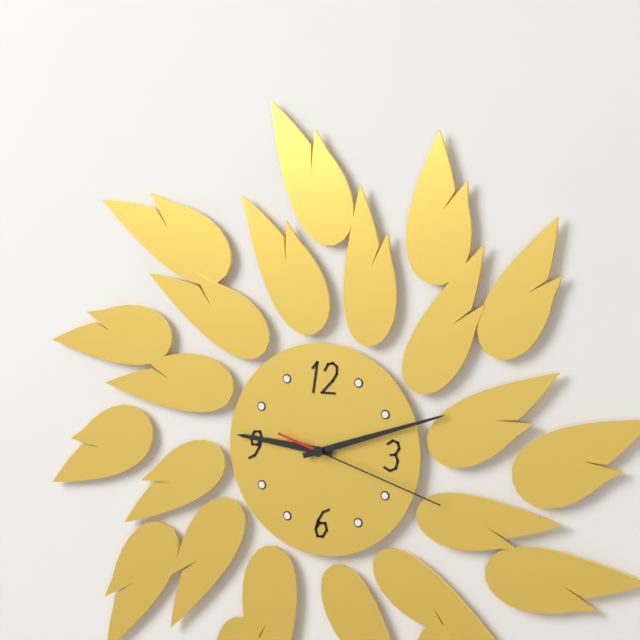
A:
9,12,18
